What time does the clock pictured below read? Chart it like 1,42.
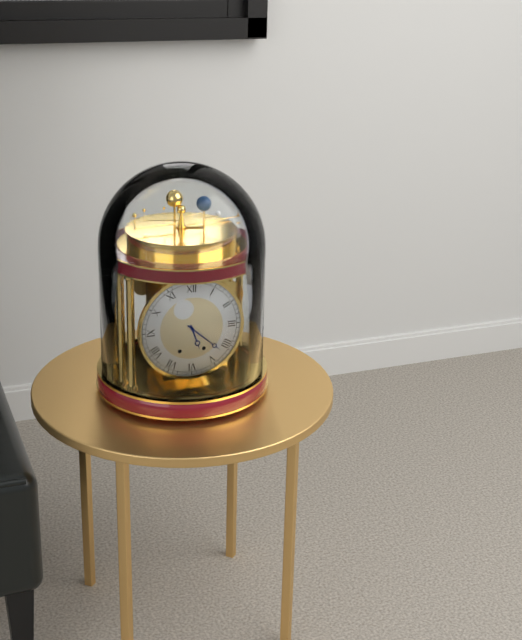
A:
5,22
